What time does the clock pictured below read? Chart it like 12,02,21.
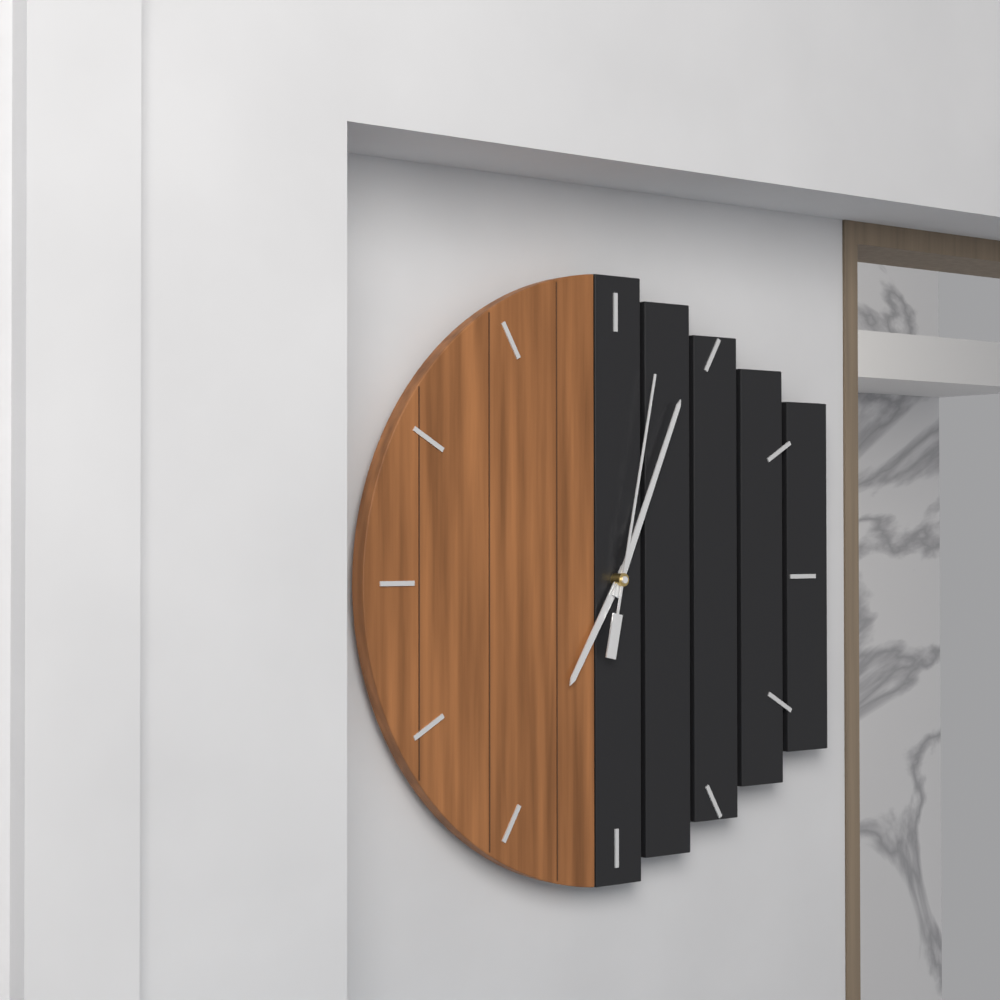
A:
7,04,02
